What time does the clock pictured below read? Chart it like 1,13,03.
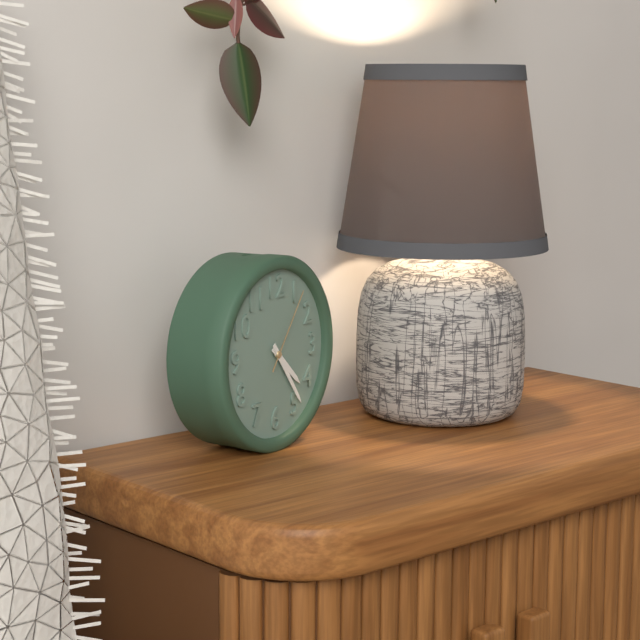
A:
4,24,06
